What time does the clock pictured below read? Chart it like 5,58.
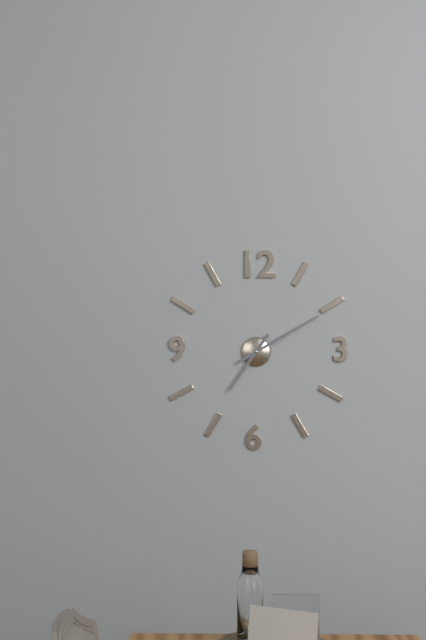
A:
7,10
